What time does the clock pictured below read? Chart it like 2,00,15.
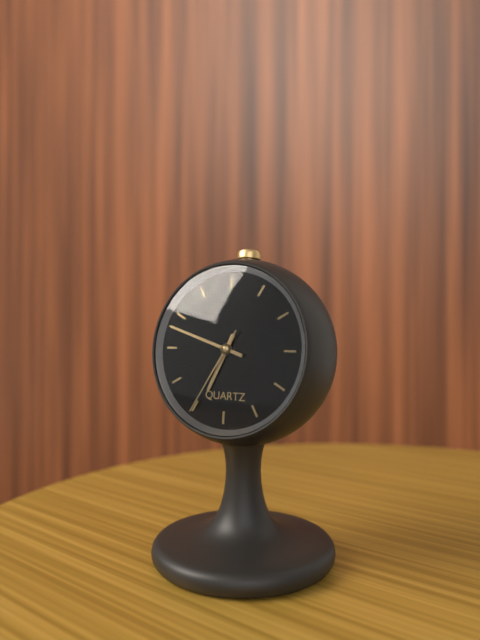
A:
6,48,35
